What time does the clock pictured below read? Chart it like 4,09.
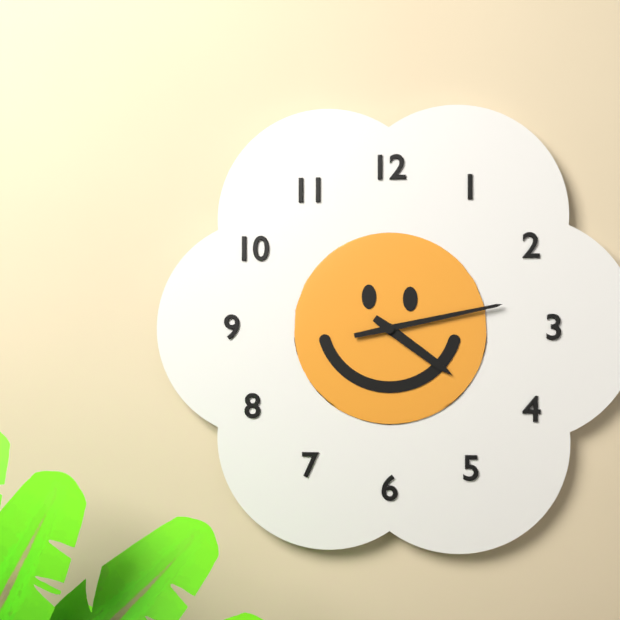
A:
4,13
